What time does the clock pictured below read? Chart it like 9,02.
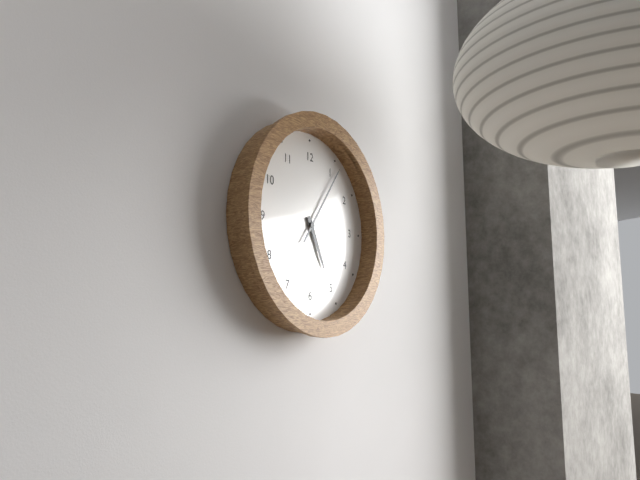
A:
5,06
